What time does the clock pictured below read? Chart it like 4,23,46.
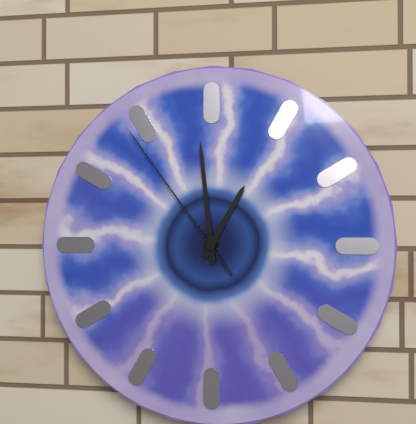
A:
12,59,54
